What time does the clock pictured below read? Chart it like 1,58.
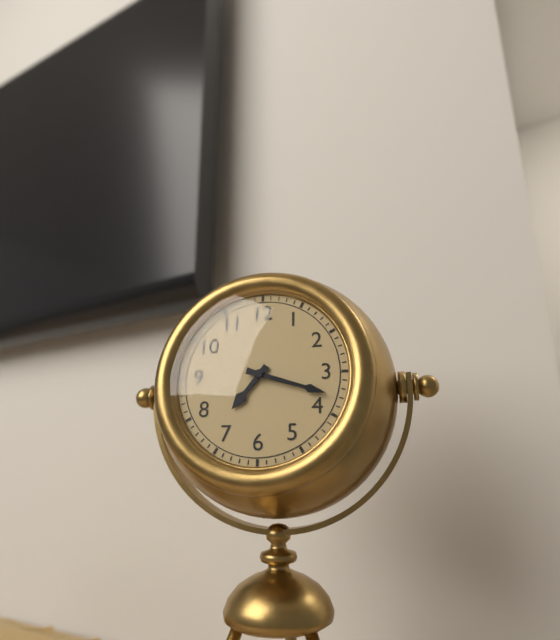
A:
7,18
